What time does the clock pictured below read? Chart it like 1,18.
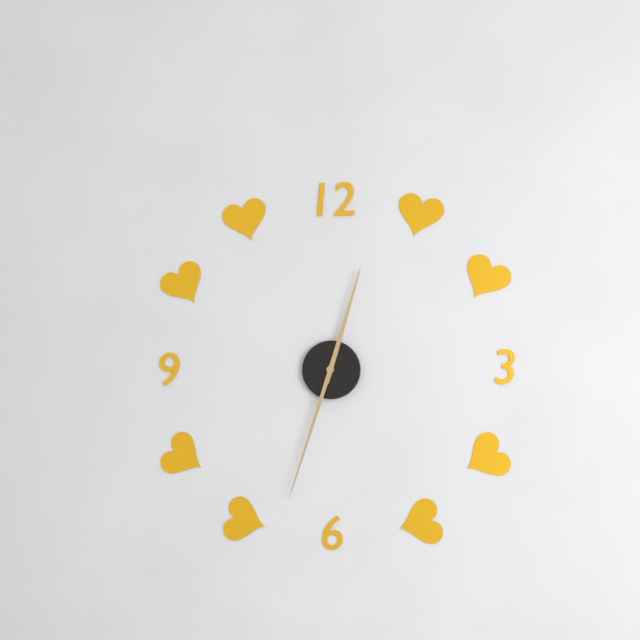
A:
12,33
